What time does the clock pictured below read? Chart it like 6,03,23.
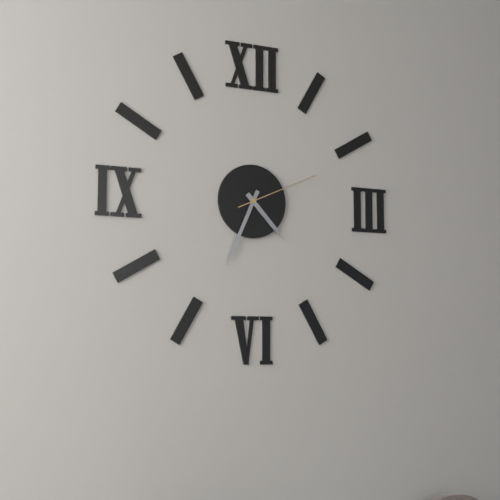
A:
4,34,11
